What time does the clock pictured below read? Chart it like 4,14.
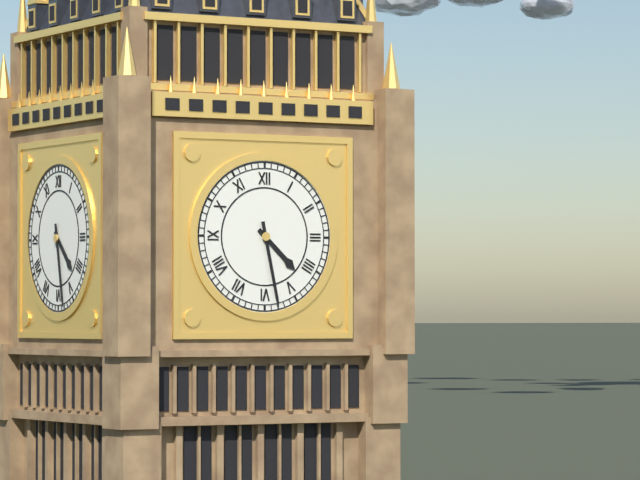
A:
4,28
